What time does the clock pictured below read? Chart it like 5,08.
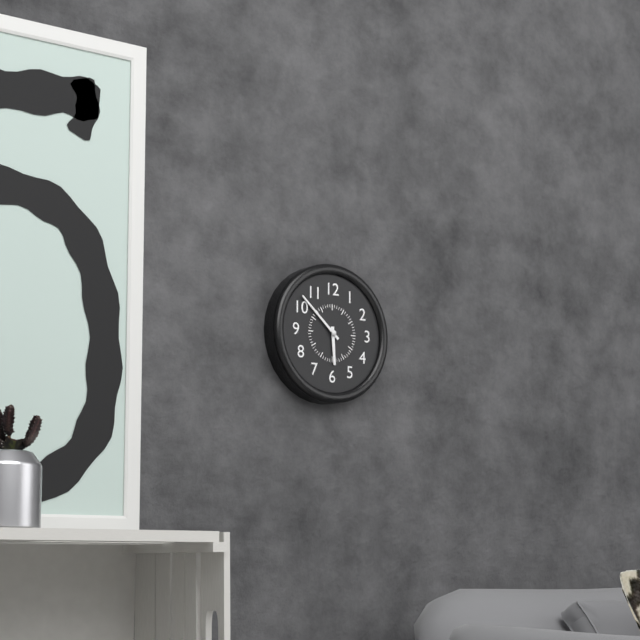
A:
5,52
